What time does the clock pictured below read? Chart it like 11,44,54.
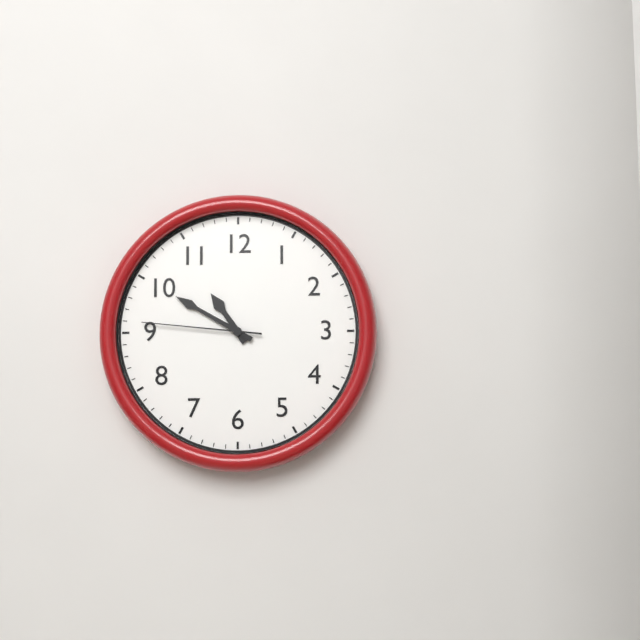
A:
10,50,46
